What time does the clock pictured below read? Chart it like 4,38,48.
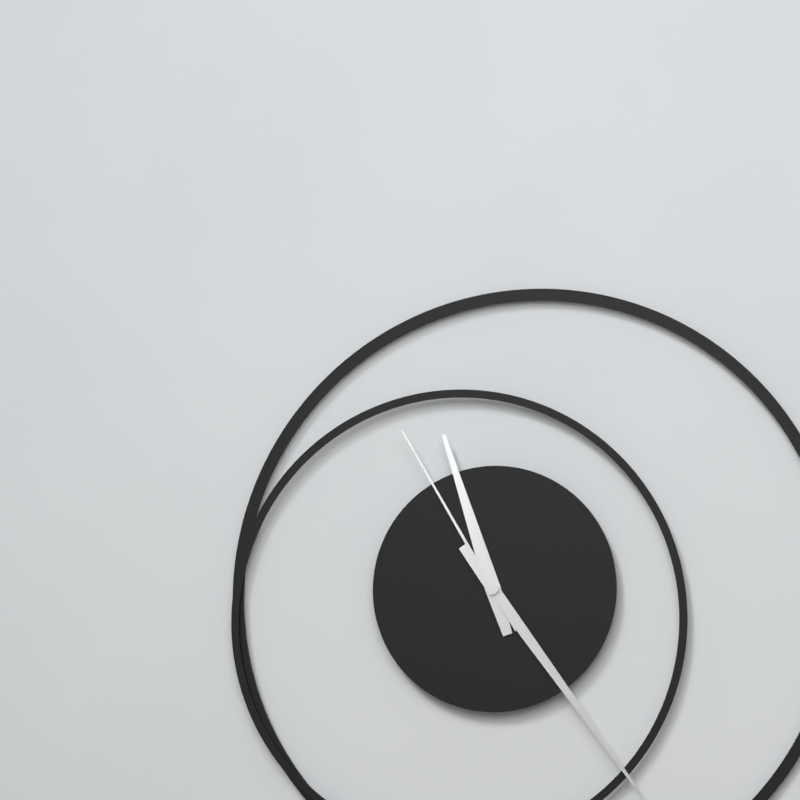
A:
11,24,55
